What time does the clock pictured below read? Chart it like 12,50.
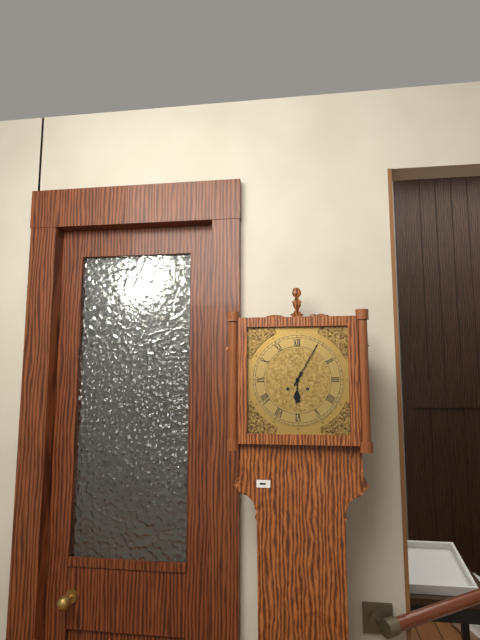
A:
6,05
